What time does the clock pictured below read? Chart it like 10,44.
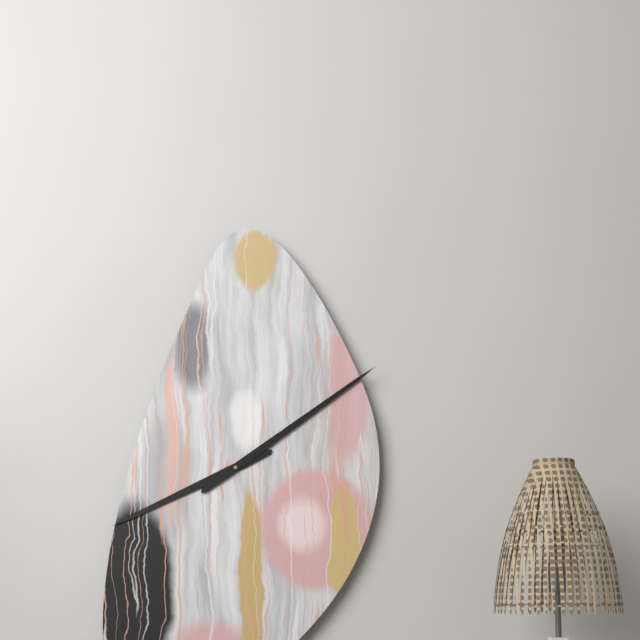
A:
8,09
